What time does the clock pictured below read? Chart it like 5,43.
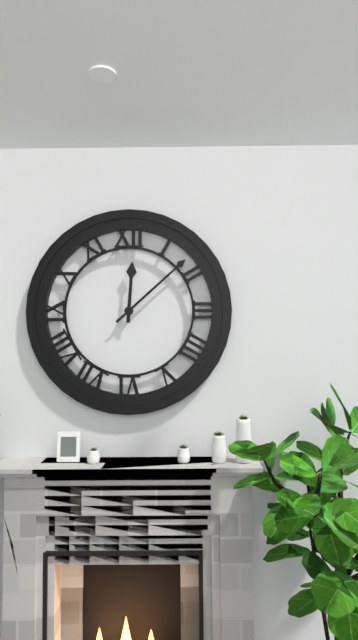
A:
12,08
